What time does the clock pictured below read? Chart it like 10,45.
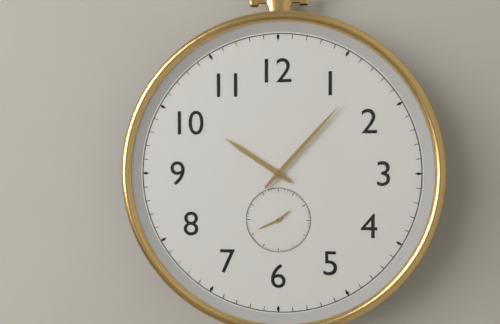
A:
10,07
